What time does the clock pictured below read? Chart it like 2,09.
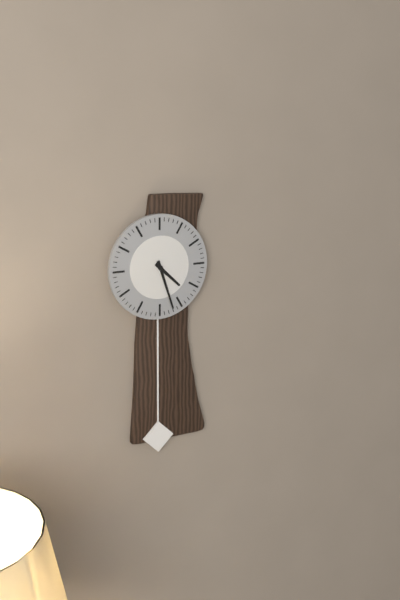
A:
4,27
